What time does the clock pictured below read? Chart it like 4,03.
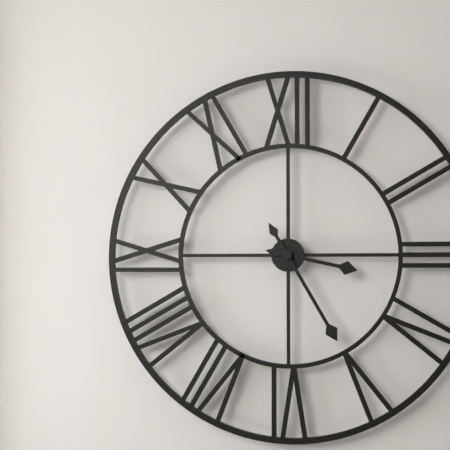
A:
3,25
